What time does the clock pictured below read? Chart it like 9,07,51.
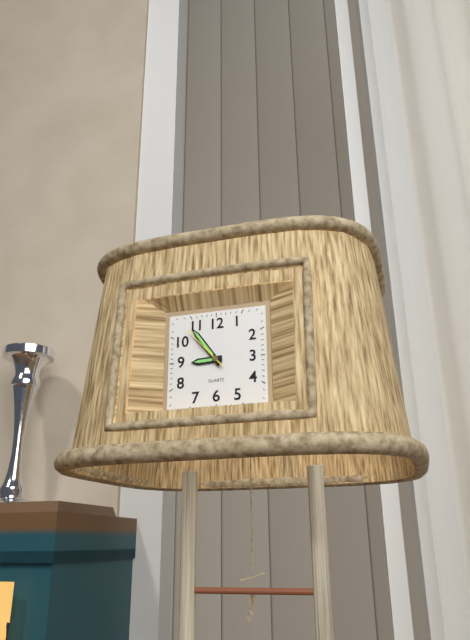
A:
8,54,53
